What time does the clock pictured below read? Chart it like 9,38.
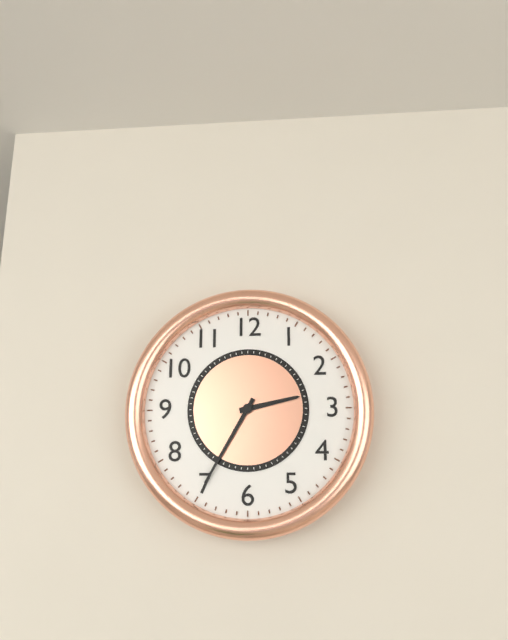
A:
2,35
